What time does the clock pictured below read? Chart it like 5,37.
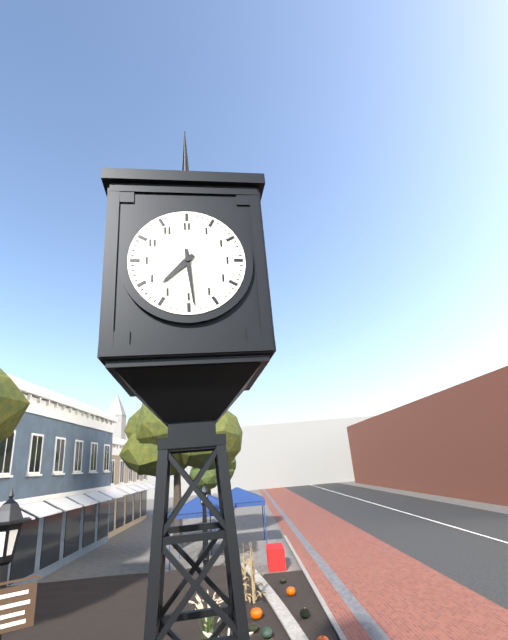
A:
7,29
